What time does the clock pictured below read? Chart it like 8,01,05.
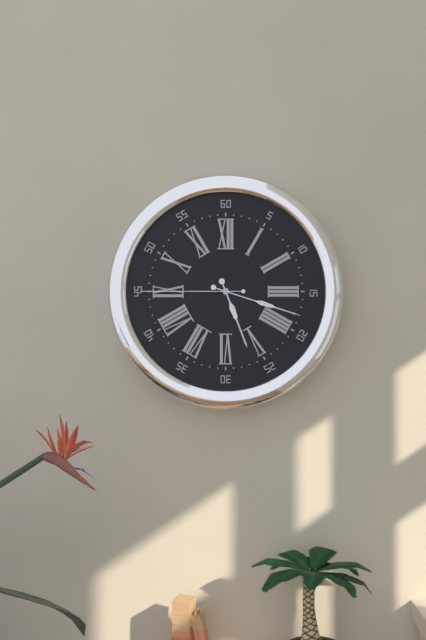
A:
5,18,45
